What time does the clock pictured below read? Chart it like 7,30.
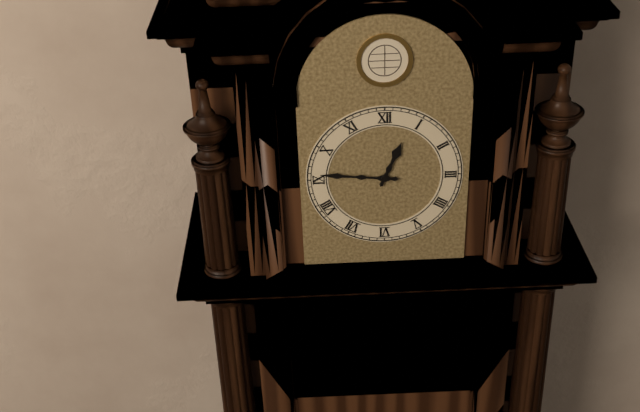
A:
12,46
